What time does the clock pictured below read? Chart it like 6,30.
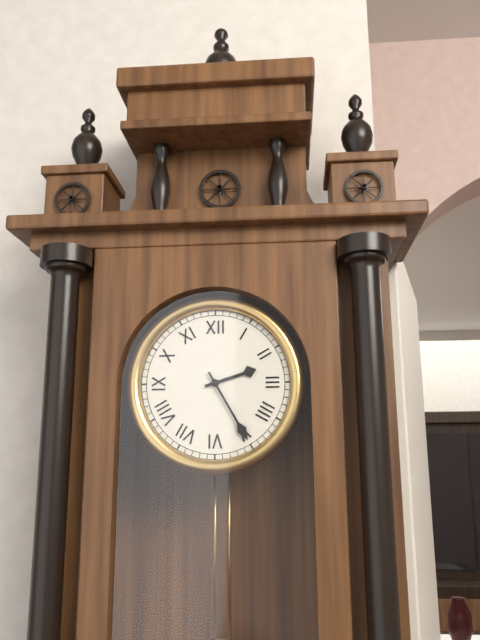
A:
2,25
